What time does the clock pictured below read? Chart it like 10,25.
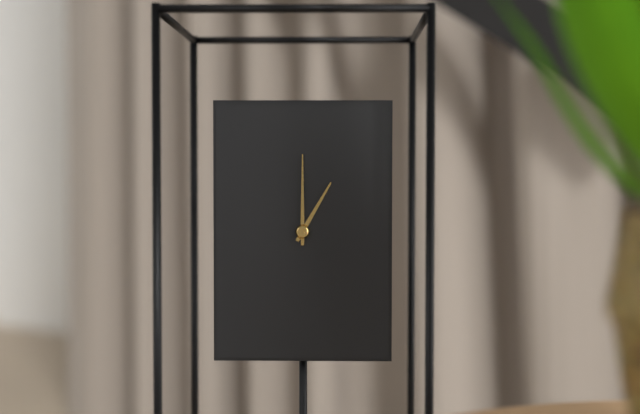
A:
1,00
